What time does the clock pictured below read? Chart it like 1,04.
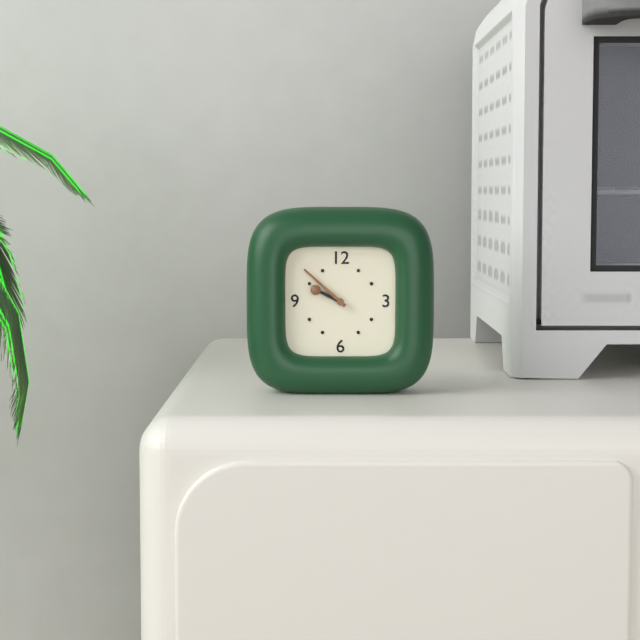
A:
9,52
